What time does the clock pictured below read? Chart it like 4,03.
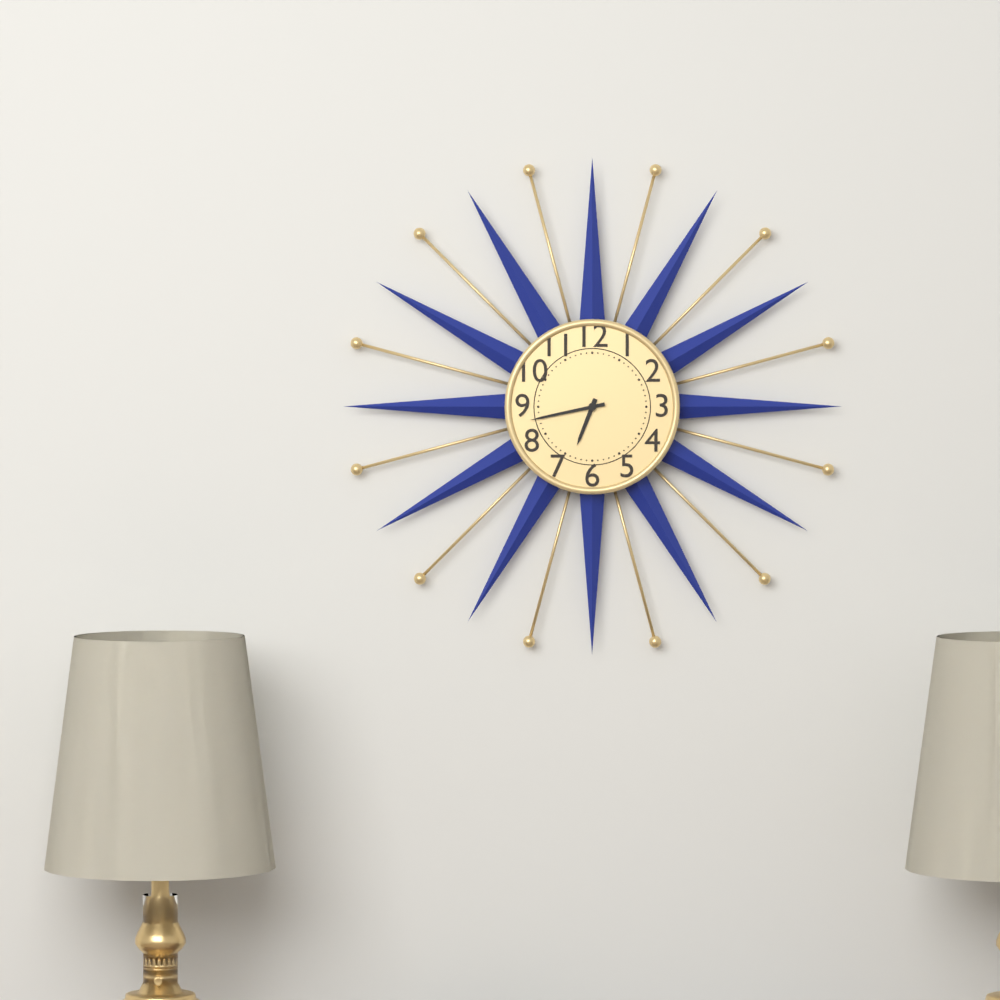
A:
6,43
